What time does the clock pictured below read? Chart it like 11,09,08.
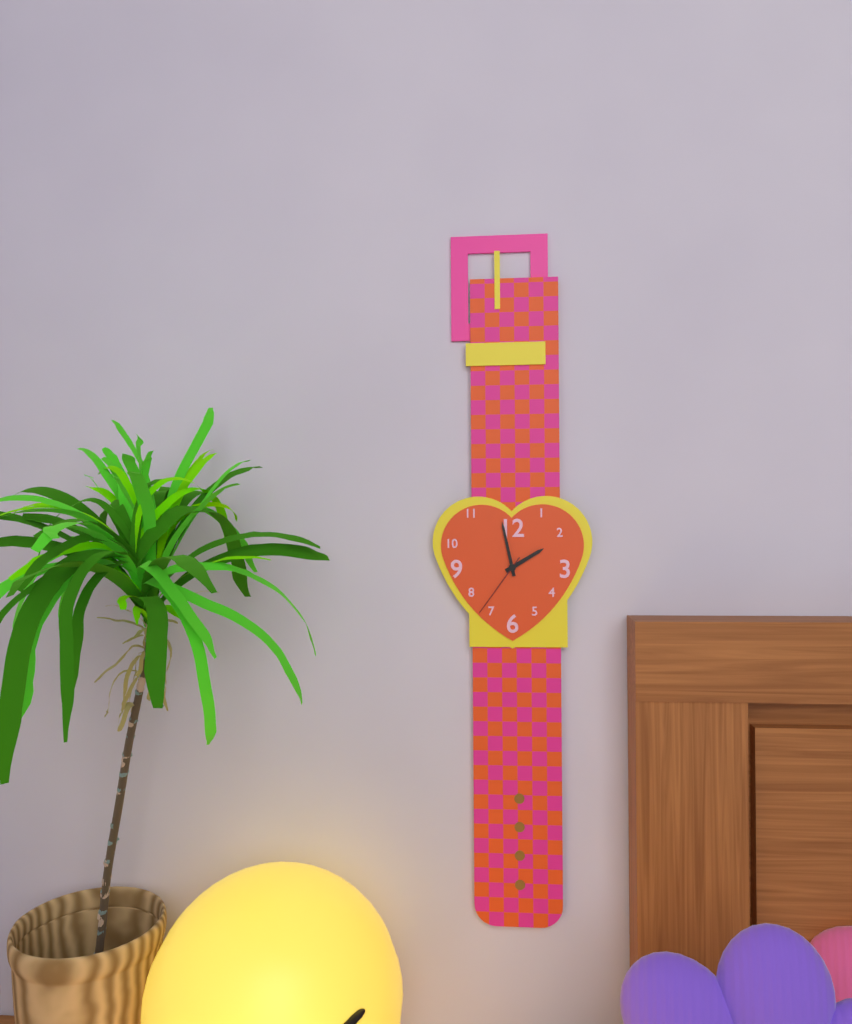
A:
1,58,36
